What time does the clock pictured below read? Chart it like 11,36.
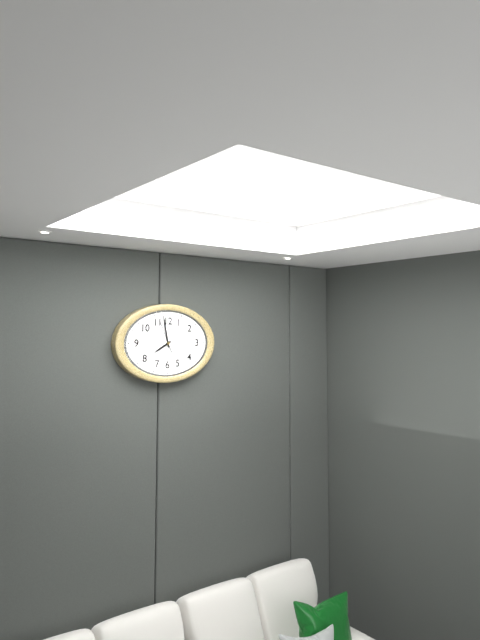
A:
7,58
